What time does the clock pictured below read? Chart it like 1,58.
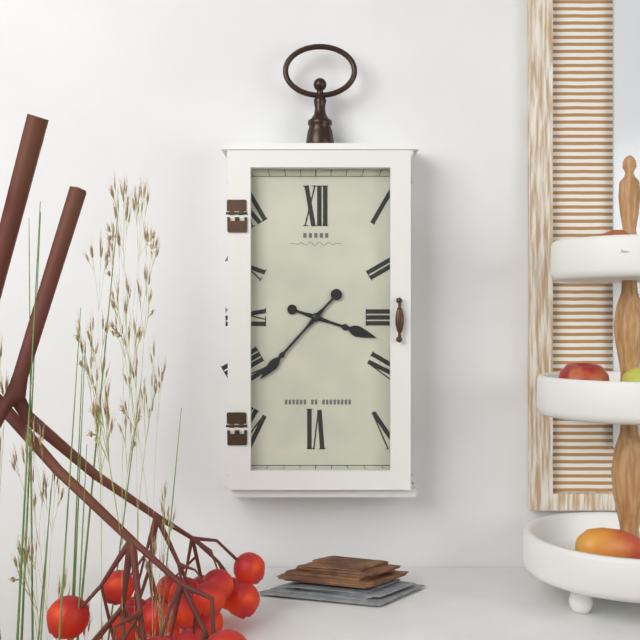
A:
3,37
